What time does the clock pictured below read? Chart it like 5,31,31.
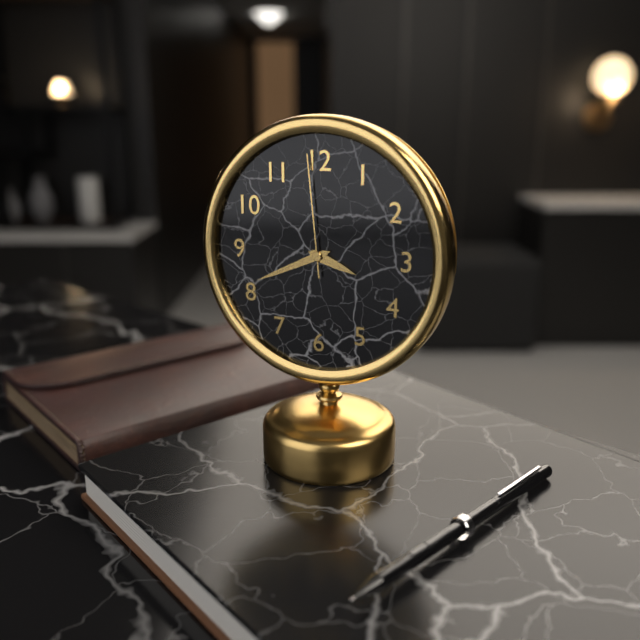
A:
3,41,59
